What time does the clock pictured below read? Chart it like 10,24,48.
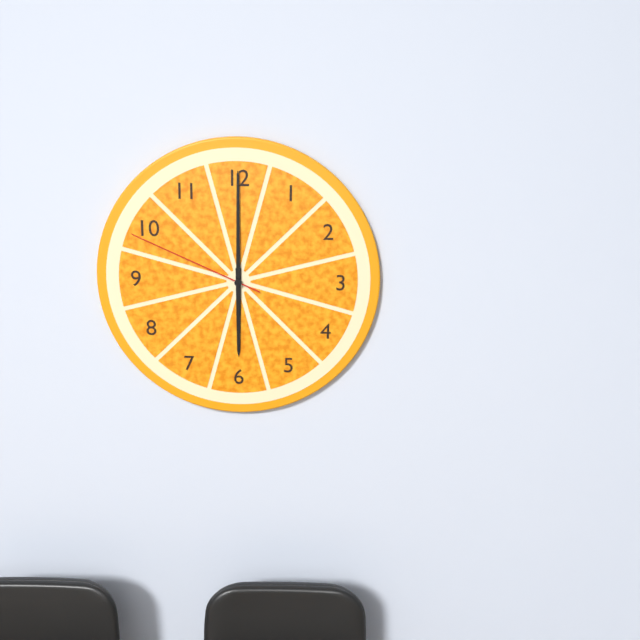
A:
6,00,49
